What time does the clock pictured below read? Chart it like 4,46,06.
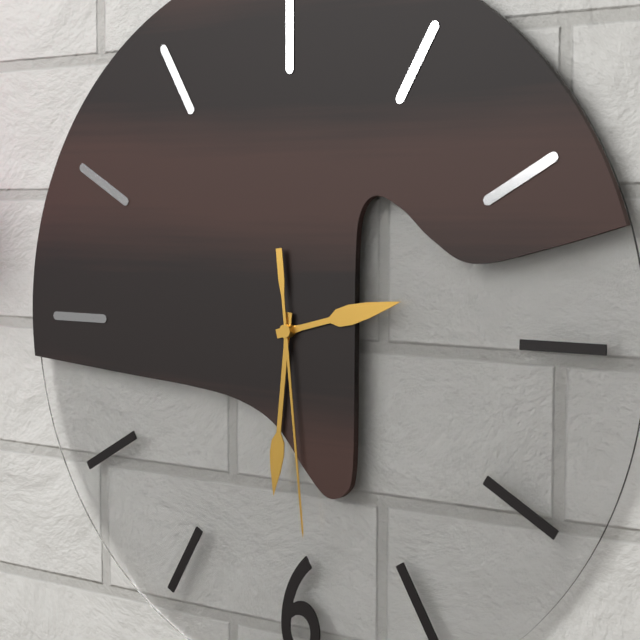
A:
2,31,29
